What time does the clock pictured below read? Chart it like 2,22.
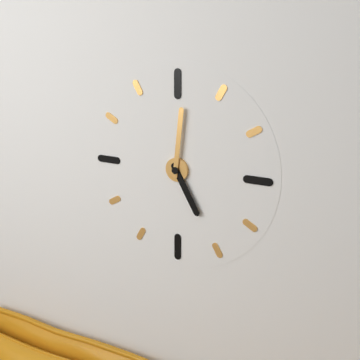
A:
5,01
